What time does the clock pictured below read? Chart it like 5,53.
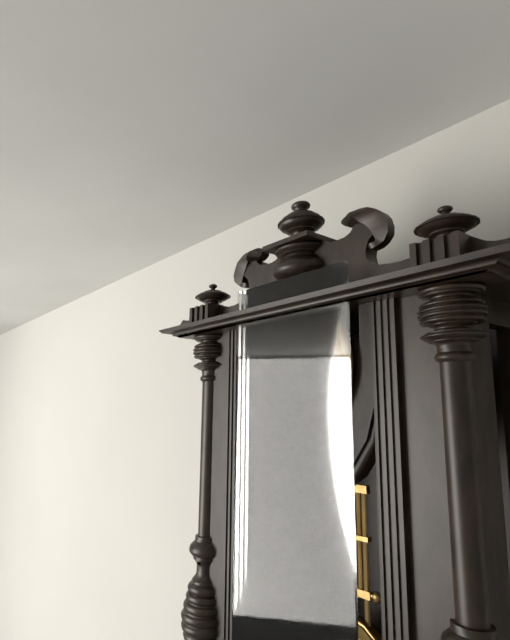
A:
10,23
